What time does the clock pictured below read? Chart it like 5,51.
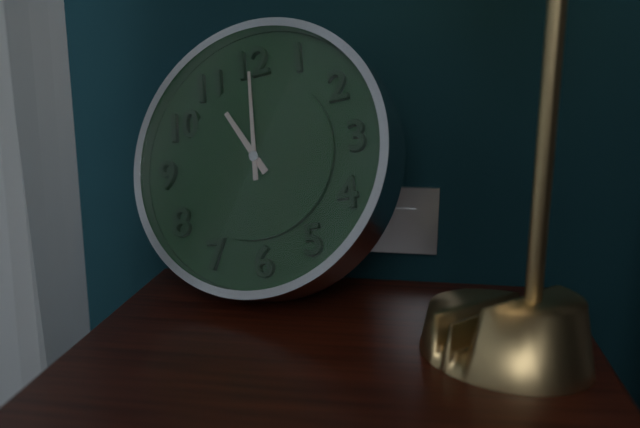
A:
11,00
